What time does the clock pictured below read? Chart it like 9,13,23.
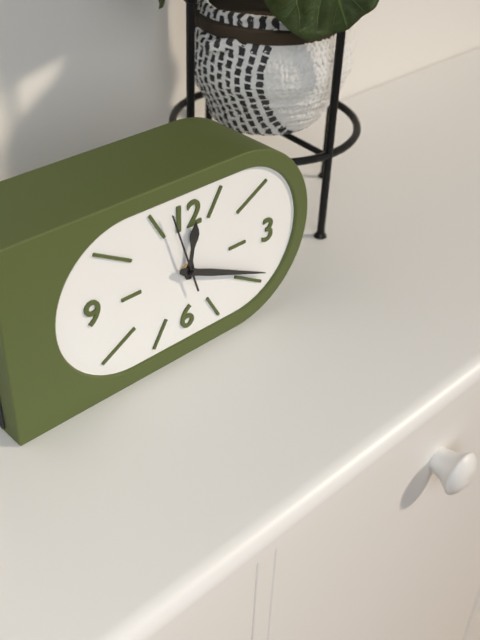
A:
12,19,57
